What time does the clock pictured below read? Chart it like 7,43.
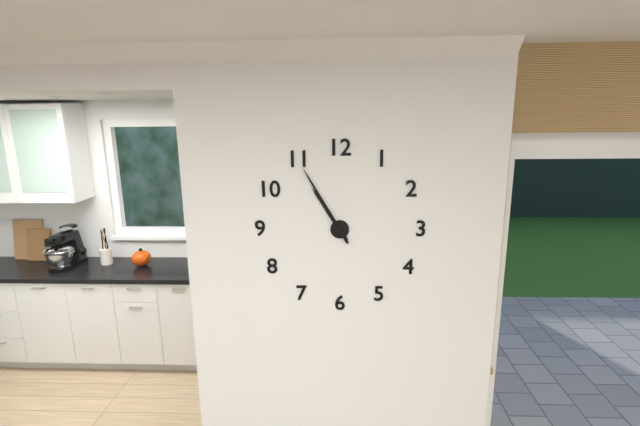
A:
10,55
